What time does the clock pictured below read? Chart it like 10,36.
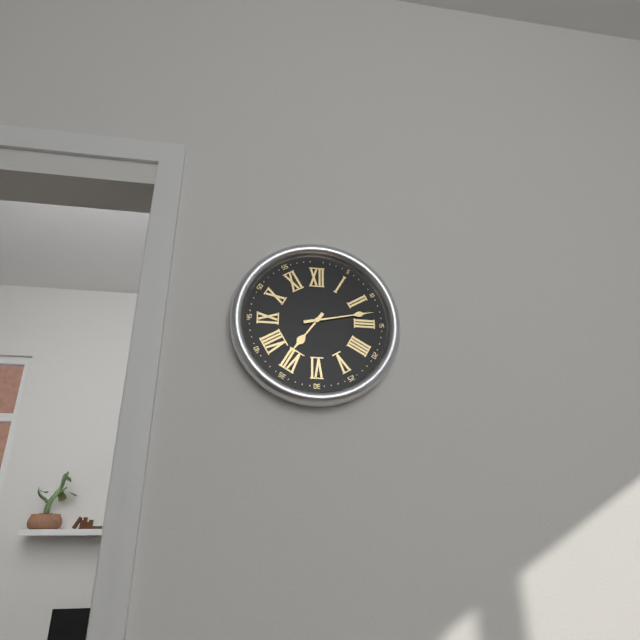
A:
7,13
